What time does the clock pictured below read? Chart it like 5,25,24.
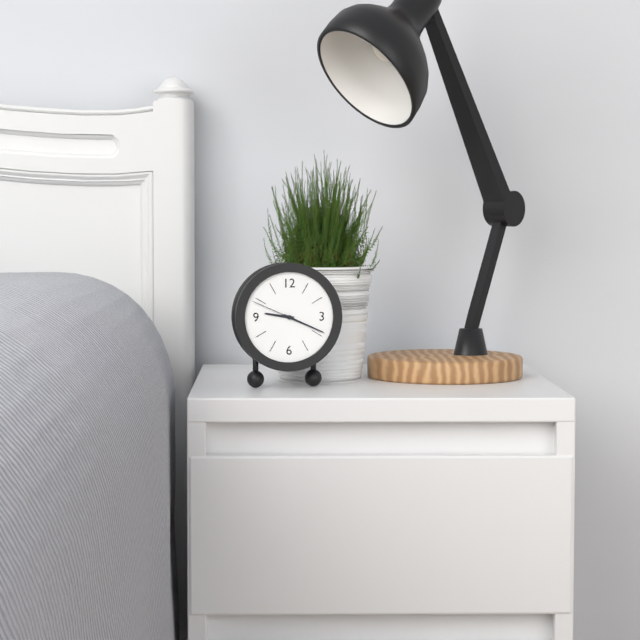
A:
9,19,49
